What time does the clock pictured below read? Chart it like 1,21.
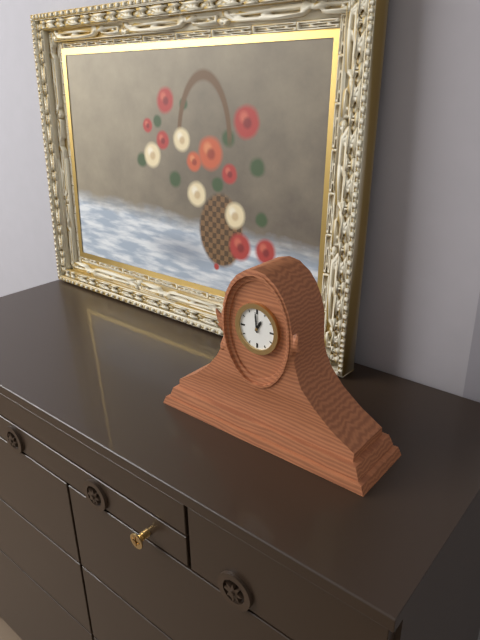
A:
12,59
